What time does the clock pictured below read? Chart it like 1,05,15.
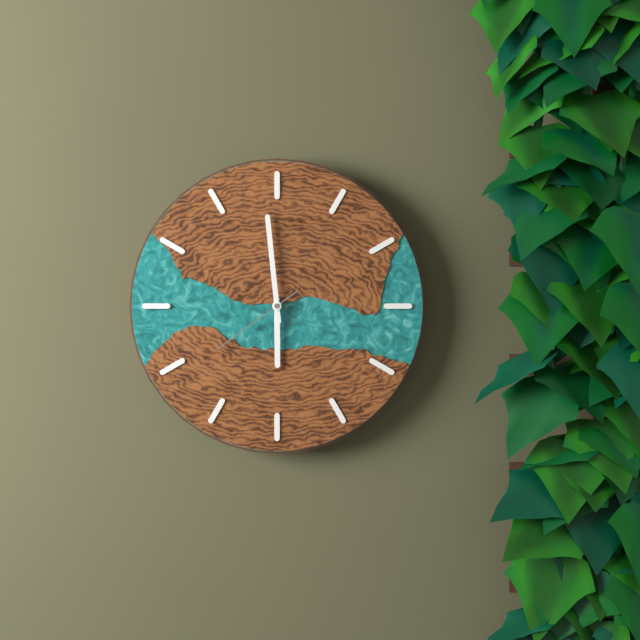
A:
5,59,39
